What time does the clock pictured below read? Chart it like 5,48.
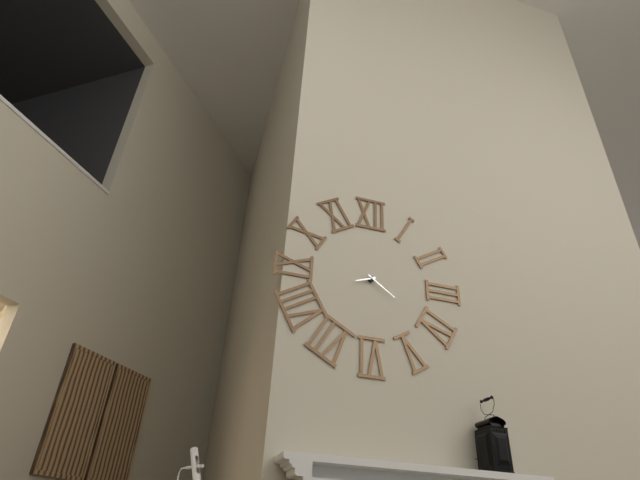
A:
8,21
